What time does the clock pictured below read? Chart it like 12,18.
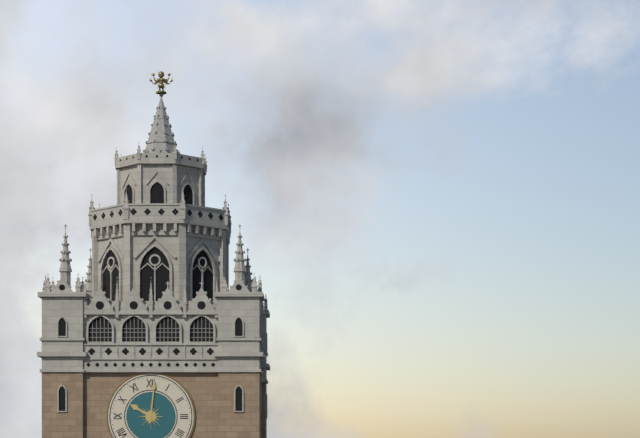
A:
10,01
